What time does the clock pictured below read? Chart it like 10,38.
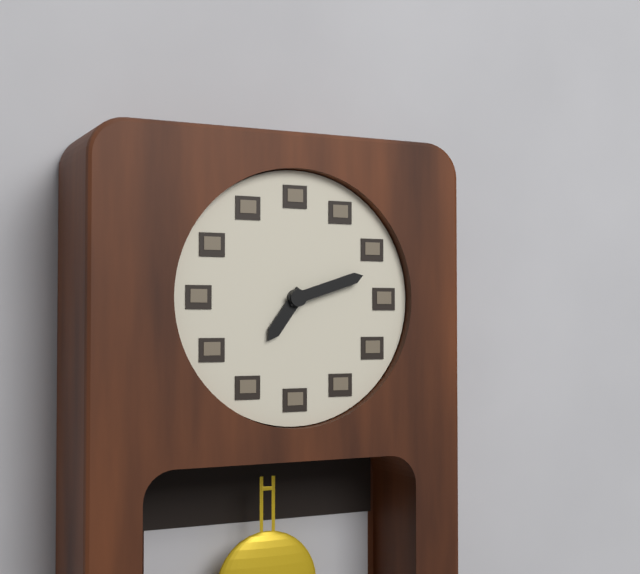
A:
7,12
